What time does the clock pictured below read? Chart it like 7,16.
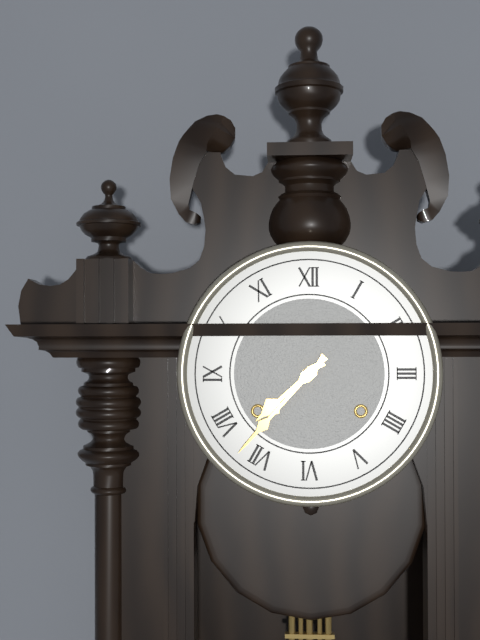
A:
7,37
